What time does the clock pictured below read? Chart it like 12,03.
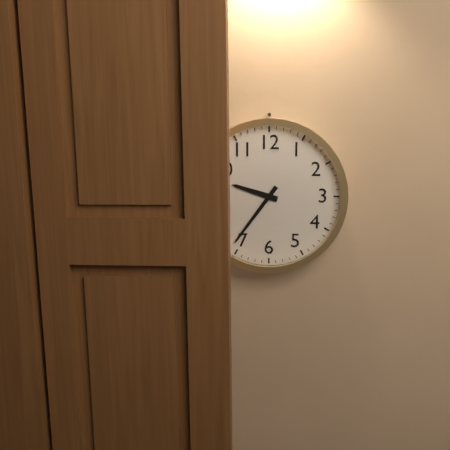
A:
9,36
